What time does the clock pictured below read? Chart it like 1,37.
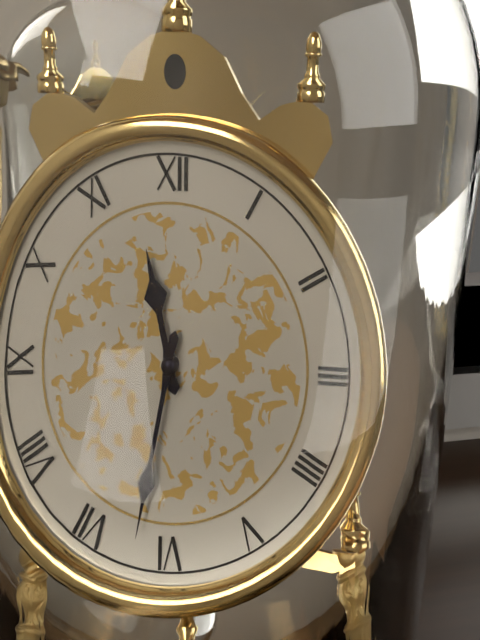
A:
11,32
